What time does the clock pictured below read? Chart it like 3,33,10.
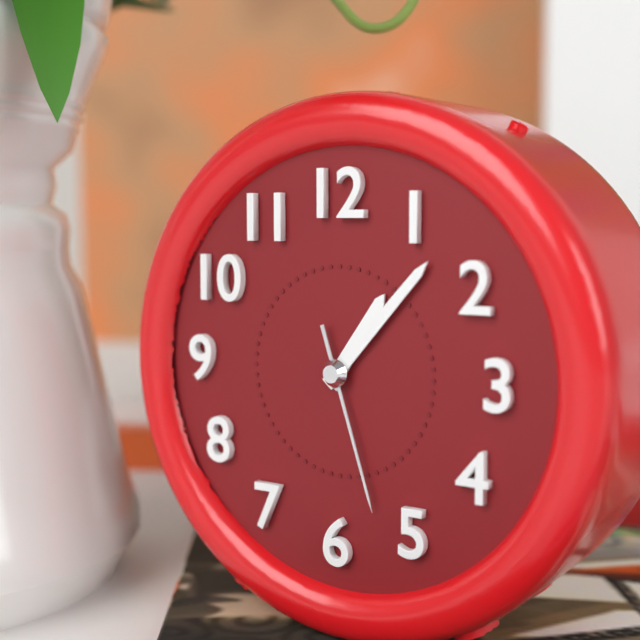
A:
1,07,27
